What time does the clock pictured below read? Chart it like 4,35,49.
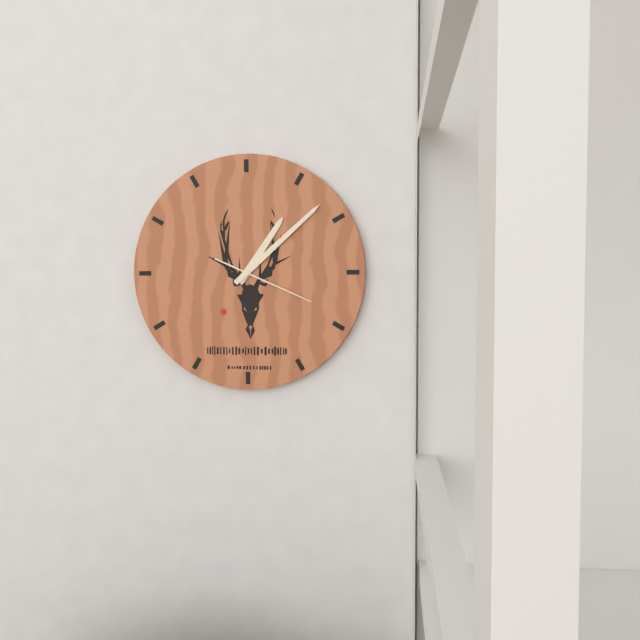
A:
1,08,19
